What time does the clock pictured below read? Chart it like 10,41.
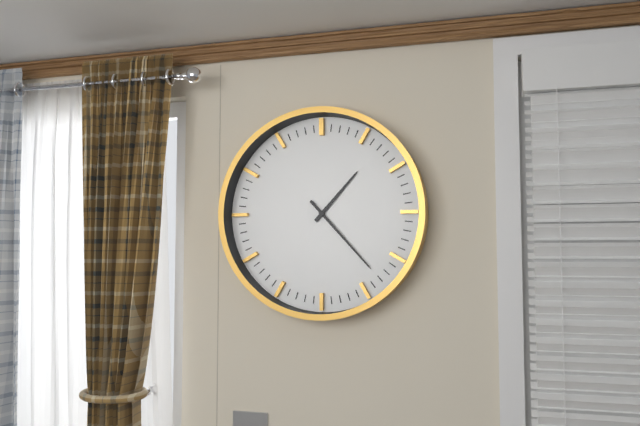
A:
1,23
